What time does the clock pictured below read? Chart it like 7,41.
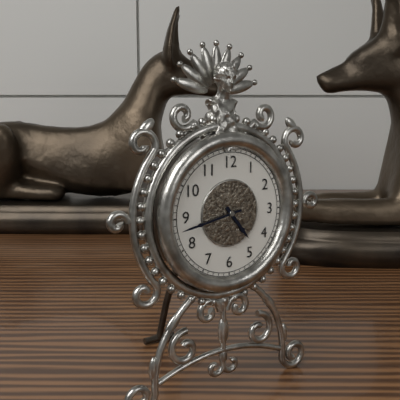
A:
4,43
